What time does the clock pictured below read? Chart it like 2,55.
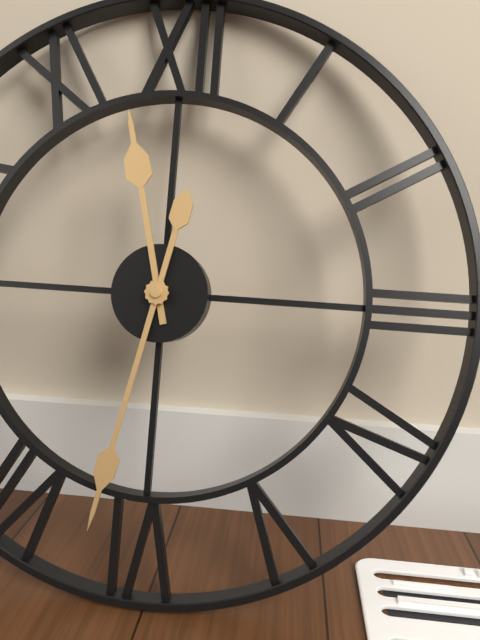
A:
11,32
